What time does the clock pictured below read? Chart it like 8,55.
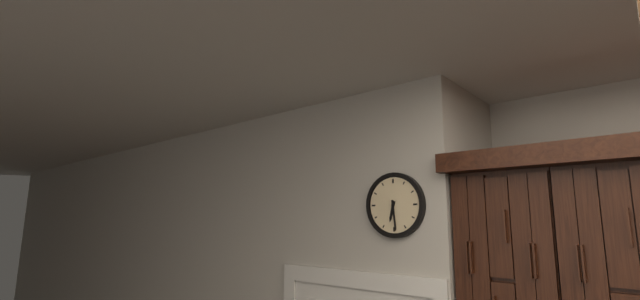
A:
6,29
